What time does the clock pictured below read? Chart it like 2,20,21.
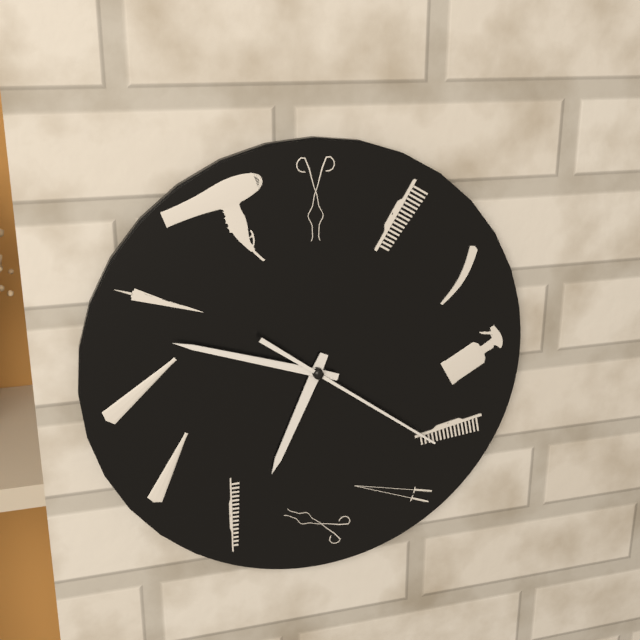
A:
6,48,21
